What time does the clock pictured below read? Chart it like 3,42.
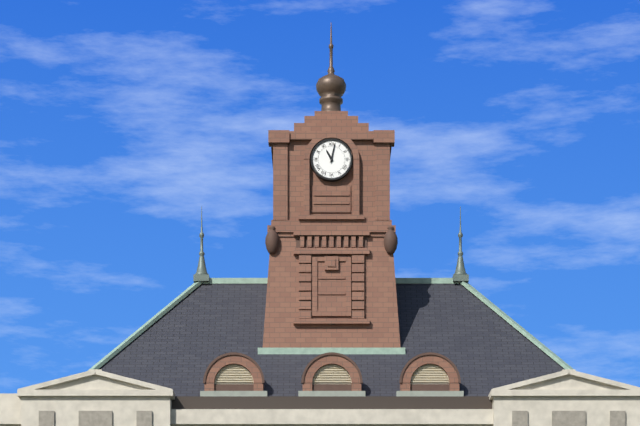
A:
11,02
